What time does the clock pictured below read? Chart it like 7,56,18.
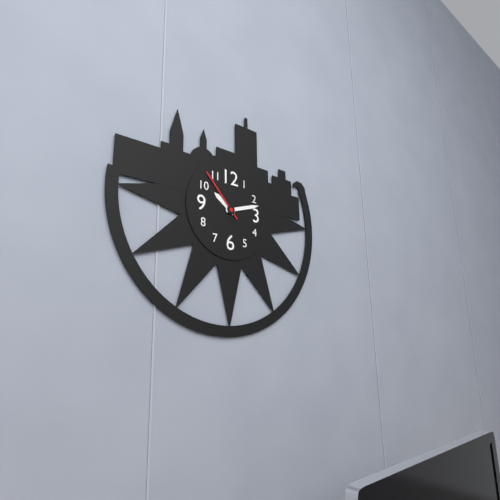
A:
10,12,53
